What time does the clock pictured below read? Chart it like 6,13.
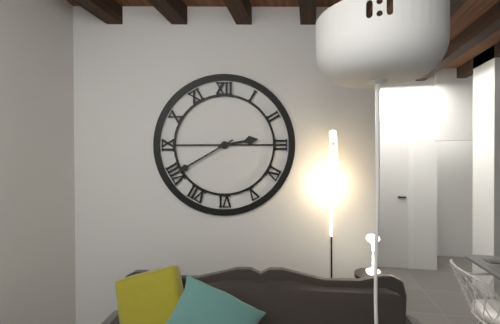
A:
2,40
